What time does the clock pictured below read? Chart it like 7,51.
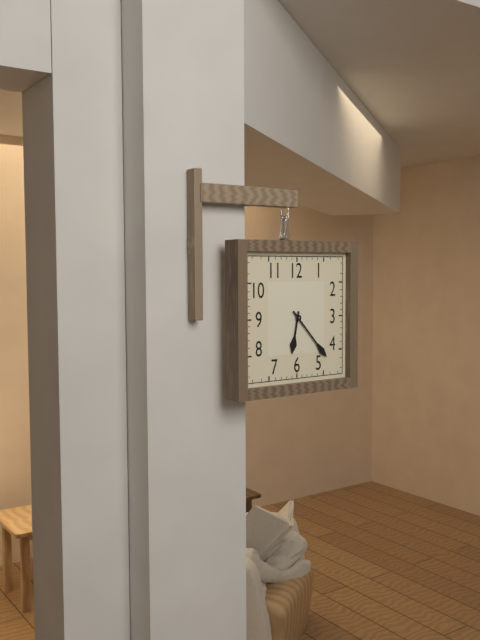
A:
6,23
